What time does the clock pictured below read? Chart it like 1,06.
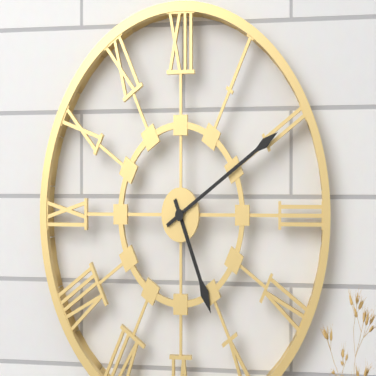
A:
5,10
